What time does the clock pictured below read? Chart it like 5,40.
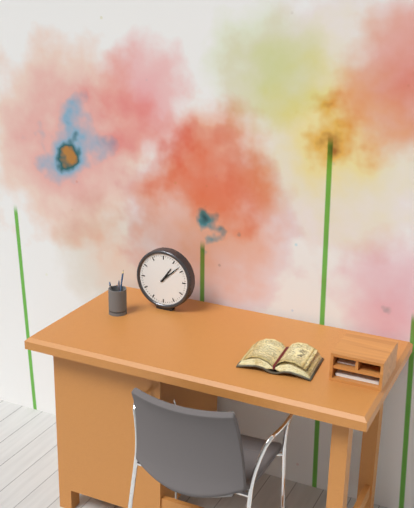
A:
1,08
